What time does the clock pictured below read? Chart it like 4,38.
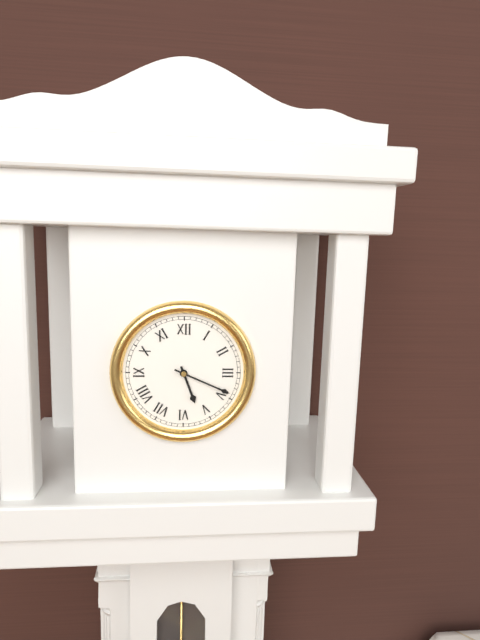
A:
5,19
